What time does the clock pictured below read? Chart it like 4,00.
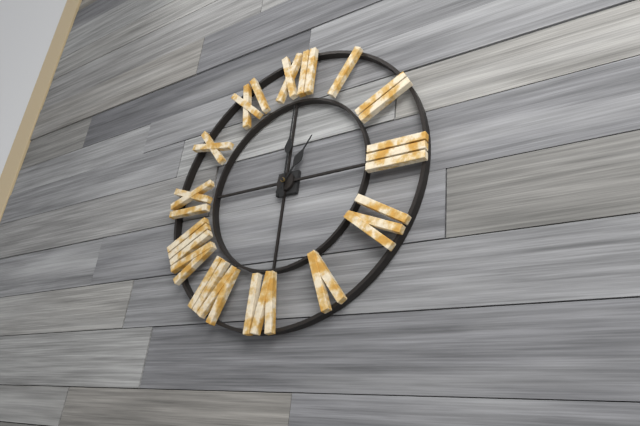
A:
1,00
